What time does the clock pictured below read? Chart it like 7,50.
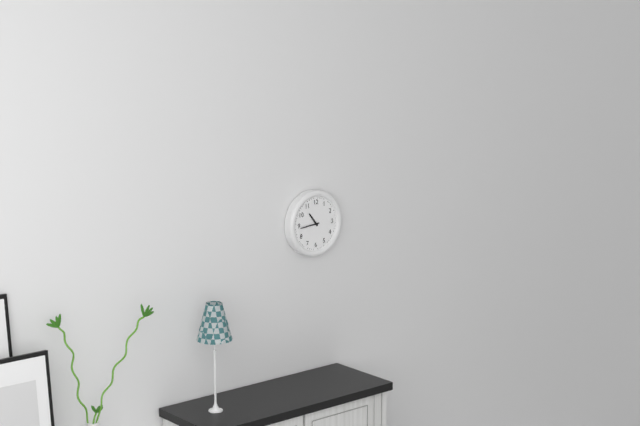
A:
10,44
